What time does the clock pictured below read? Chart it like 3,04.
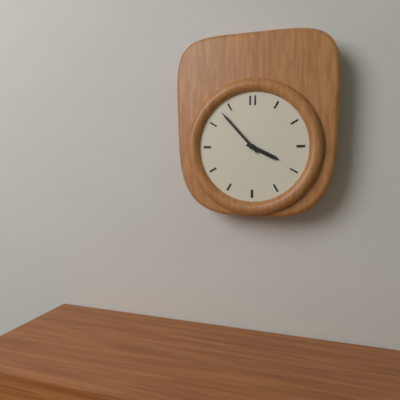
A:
3,53
